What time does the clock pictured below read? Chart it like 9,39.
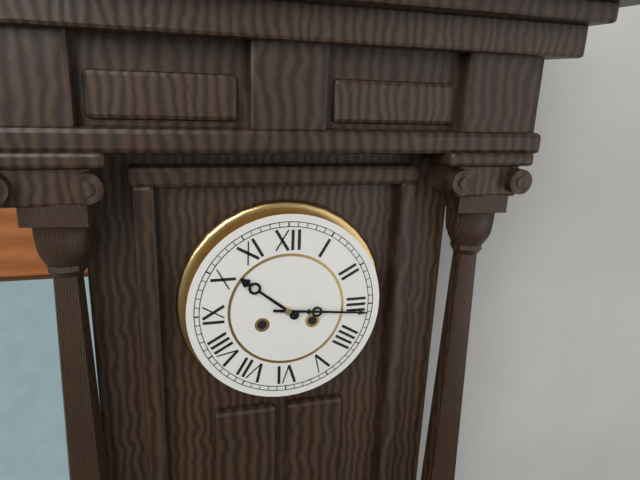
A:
10,16
